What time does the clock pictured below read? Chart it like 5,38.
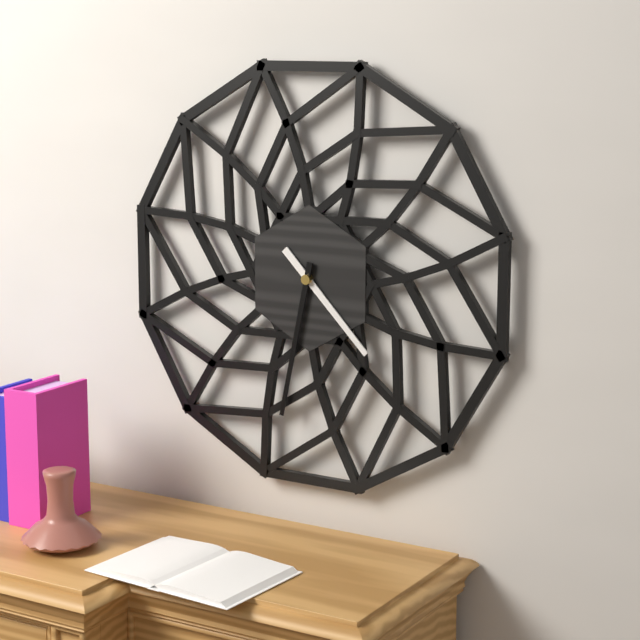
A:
4,32
